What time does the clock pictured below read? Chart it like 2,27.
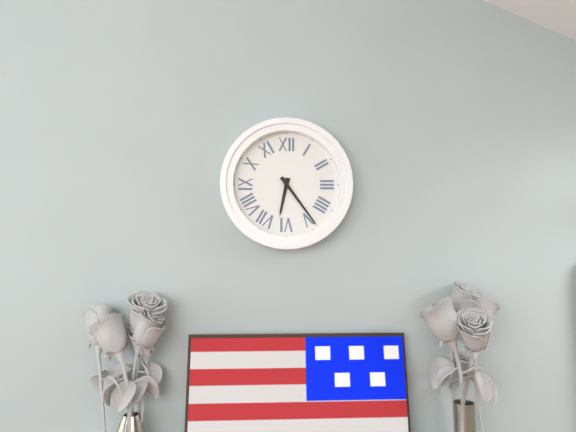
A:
6,24
